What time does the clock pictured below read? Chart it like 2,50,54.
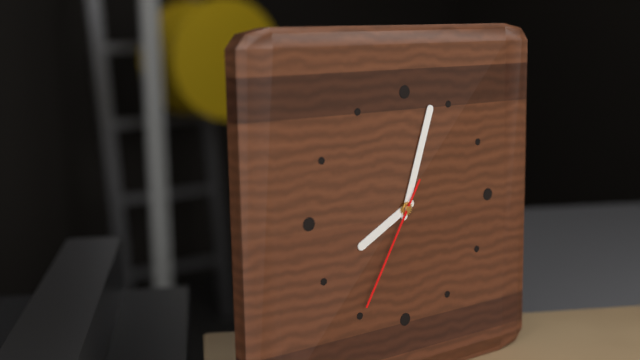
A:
8,03,35
